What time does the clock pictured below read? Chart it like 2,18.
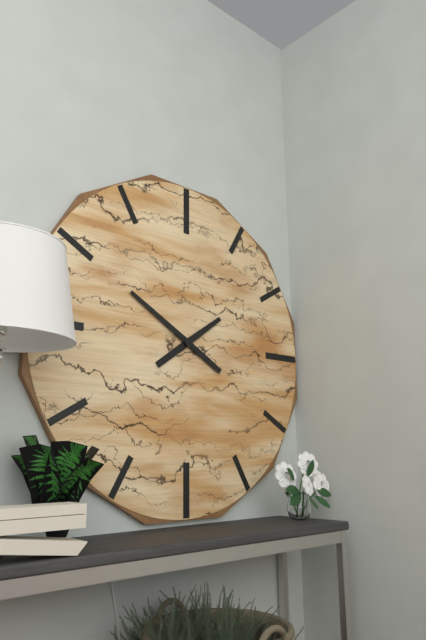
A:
1,50
